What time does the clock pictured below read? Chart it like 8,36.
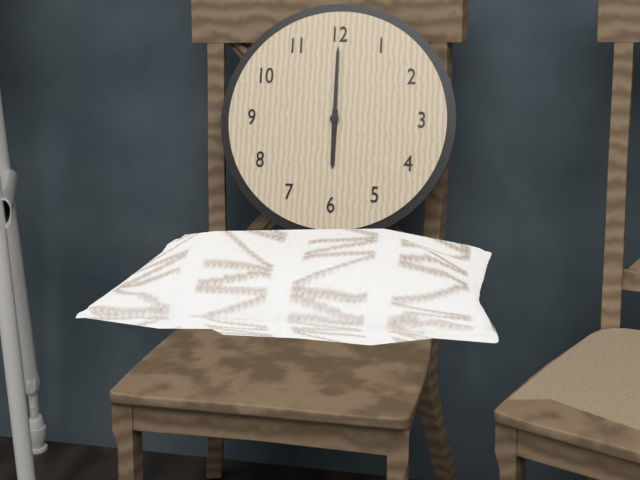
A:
6,00
